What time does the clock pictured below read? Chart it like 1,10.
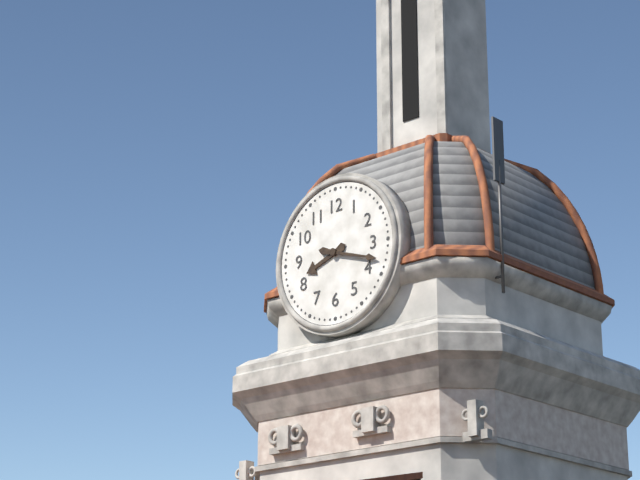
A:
8,18
